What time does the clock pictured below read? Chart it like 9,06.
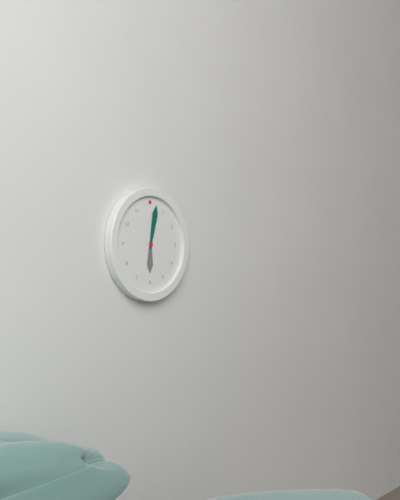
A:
6,02
